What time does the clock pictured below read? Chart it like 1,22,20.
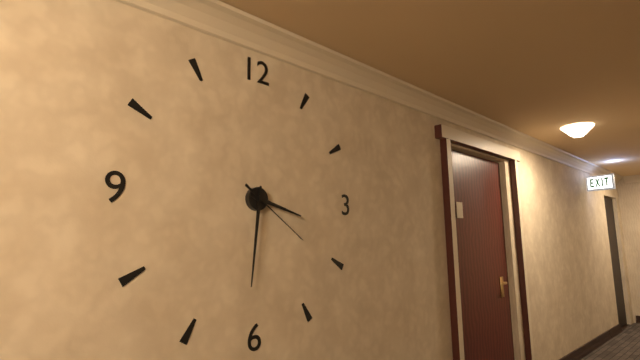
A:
3,31,21
